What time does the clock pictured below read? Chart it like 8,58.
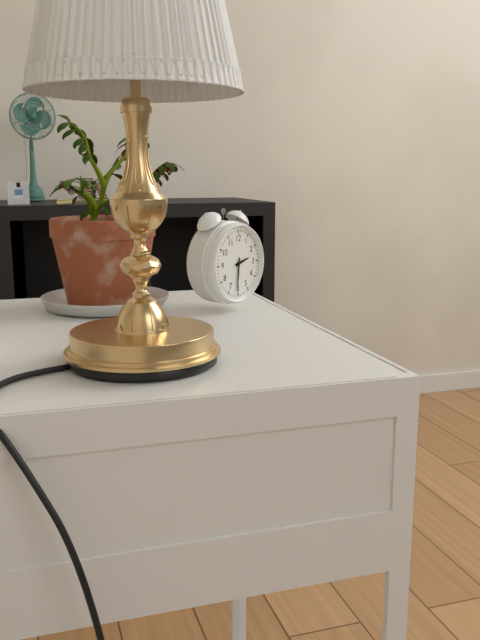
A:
2,31
